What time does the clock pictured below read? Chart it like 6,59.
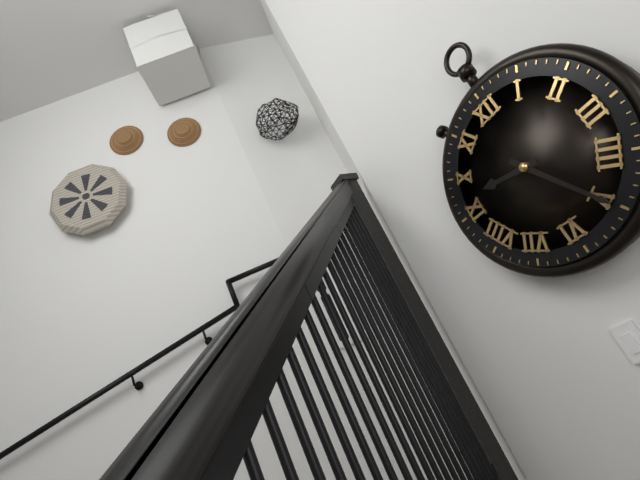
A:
9,25
